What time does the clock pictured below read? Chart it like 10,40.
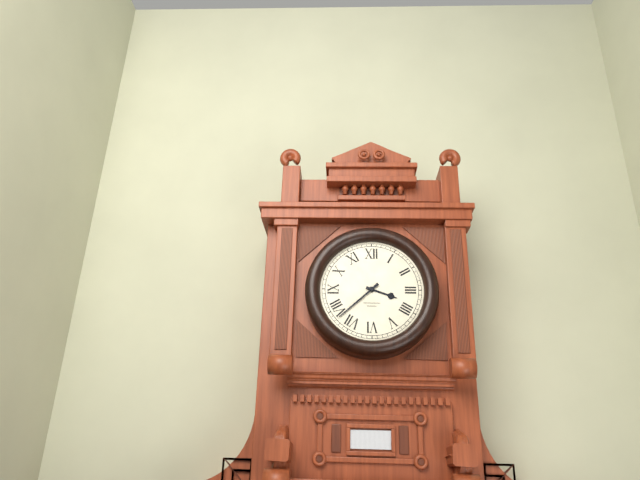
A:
3,38
